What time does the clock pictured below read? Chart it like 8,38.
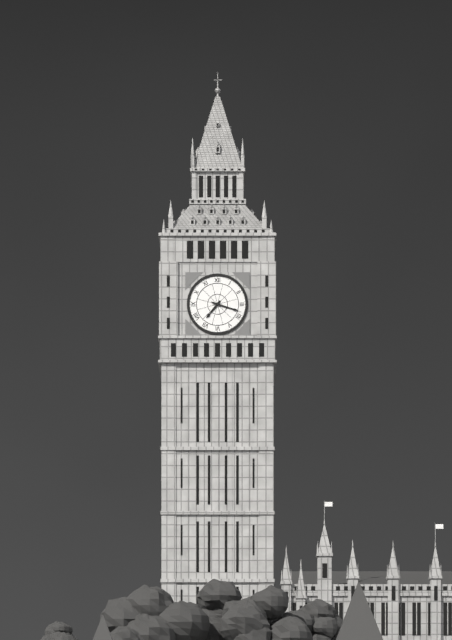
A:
7,18
